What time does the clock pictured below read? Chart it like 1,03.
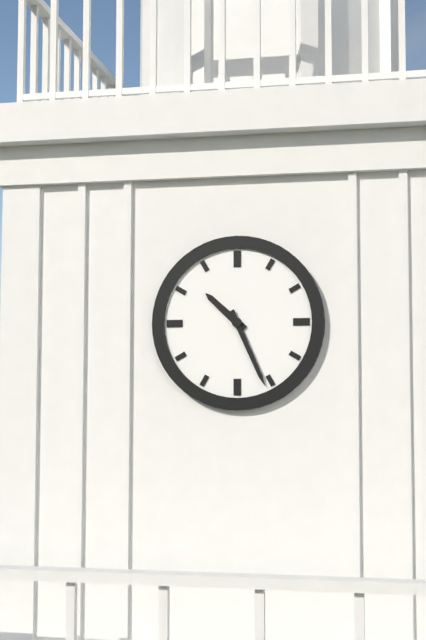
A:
10,26
